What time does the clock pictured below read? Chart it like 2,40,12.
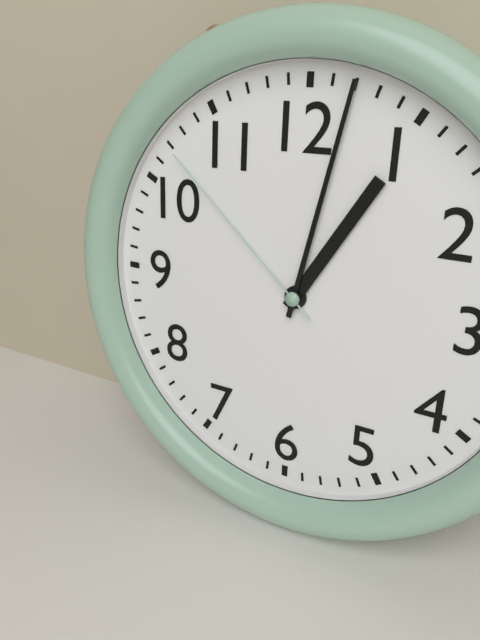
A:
1,02,52
